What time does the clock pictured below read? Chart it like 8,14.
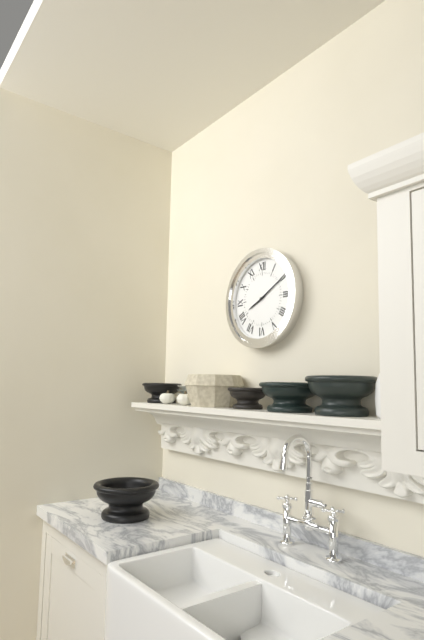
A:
8,10
